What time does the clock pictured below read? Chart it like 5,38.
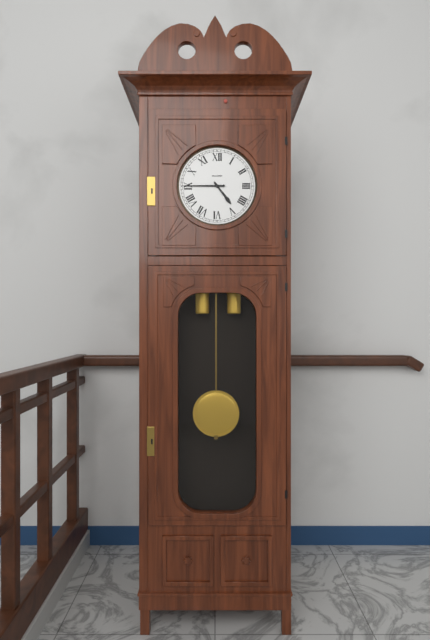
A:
4,45
